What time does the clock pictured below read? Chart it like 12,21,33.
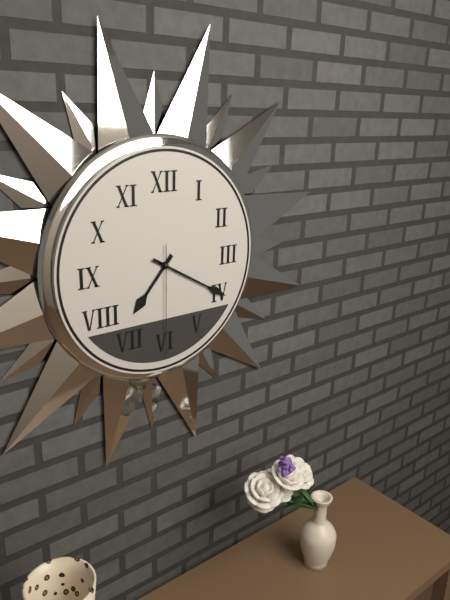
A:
7,20,30
